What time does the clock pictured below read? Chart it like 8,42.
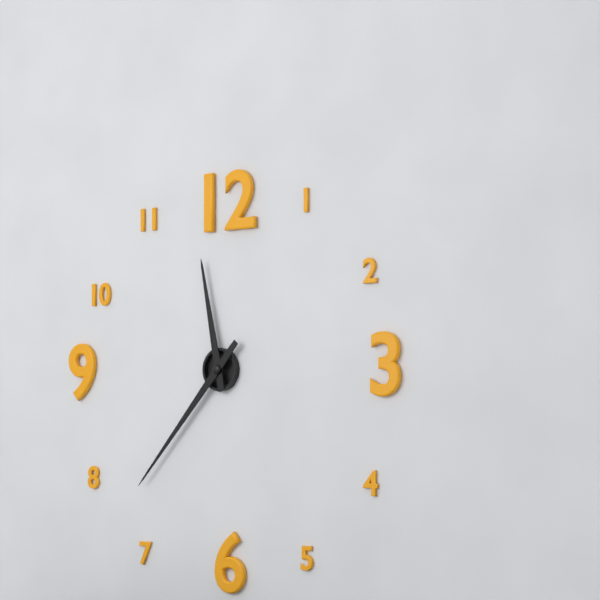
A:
11,37
